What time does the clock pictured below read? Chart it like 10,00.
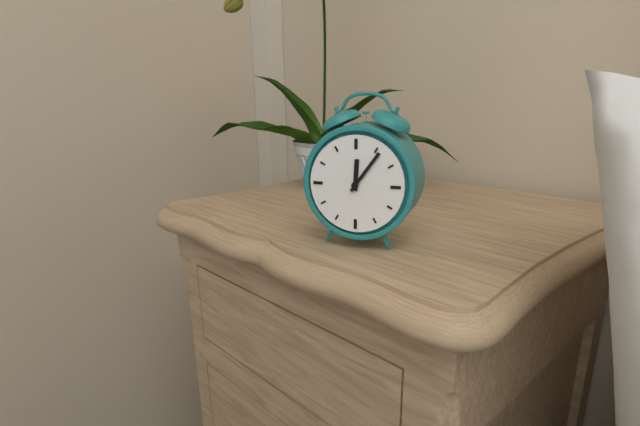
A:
12,06
